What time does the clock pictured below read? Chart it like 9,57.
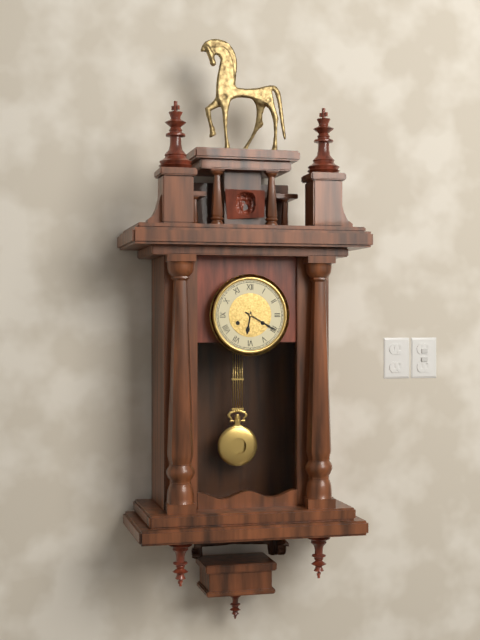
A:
6,20
